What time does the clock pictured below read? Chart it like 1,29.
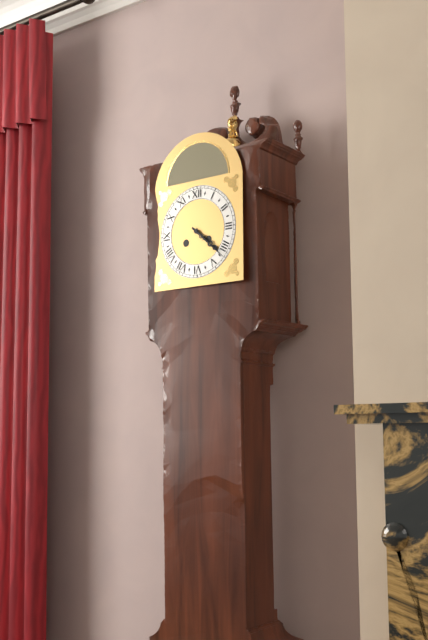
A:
4,22
